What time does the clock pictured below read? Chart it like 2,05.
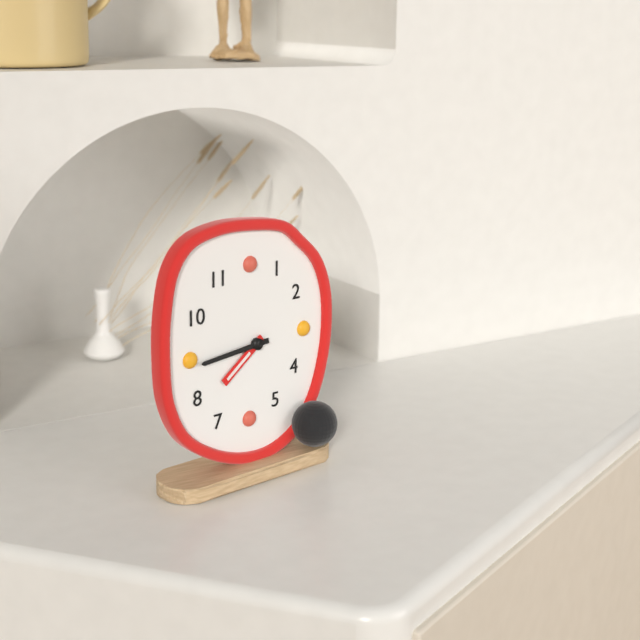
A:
7,44
